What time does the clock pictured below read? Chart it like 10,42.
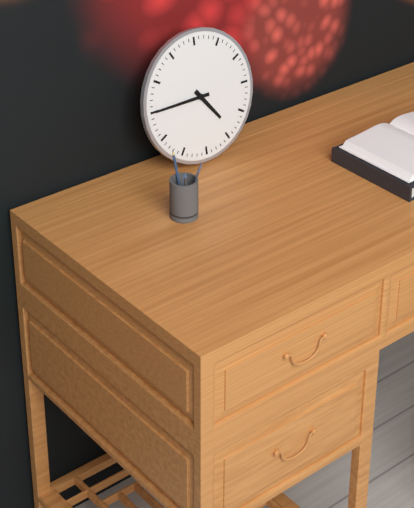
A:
4,45
